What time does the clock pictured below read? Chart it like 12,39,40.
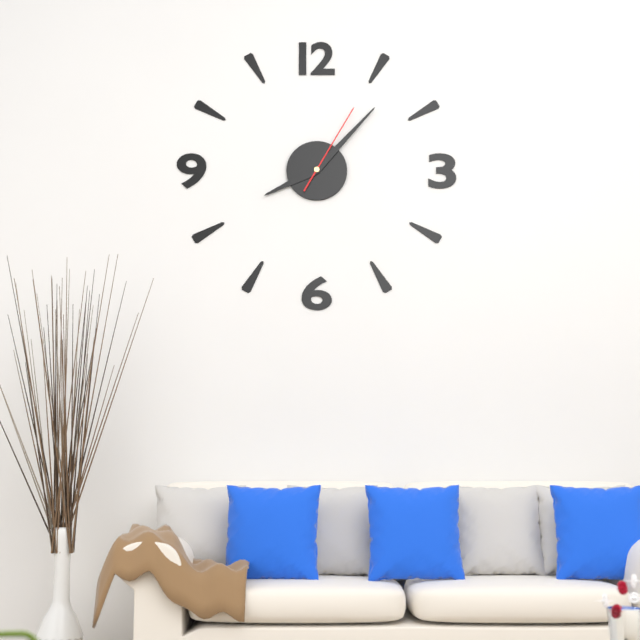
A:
8,07,05
